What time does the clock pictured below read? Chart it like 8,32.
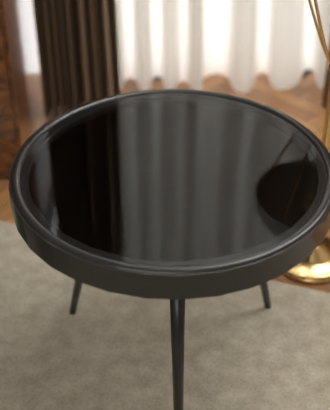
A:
3,20
